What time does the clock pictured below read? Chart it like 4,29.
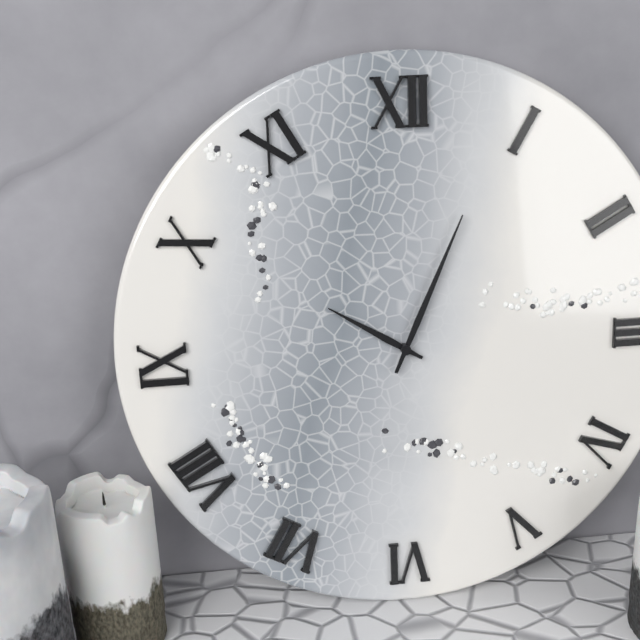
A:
10,04
